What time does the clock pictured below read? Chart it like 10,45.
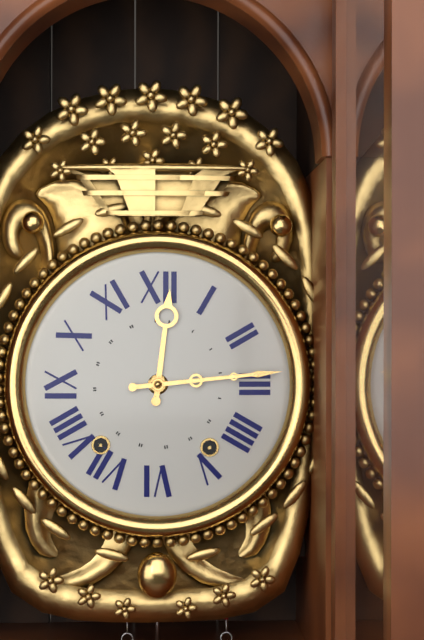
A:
12,14
